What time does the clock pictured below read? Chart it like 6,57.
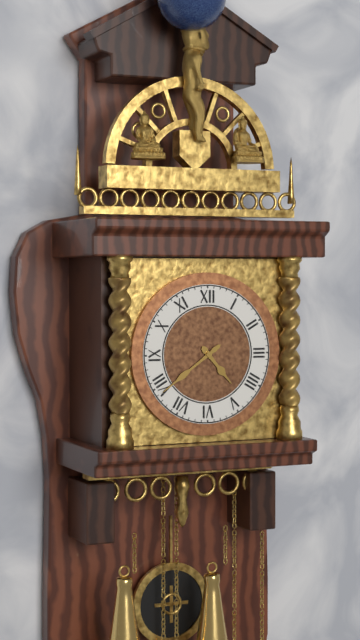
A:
4,39
